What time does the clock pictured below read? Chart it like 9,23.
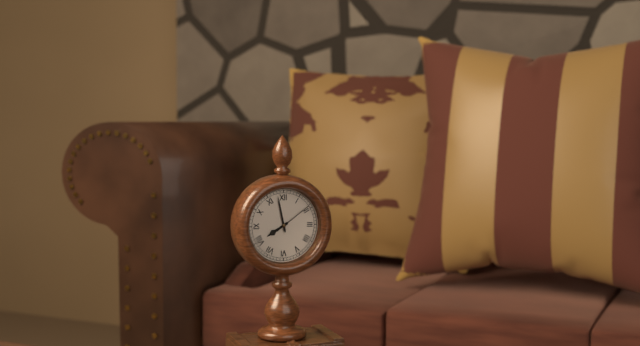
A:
7,58
